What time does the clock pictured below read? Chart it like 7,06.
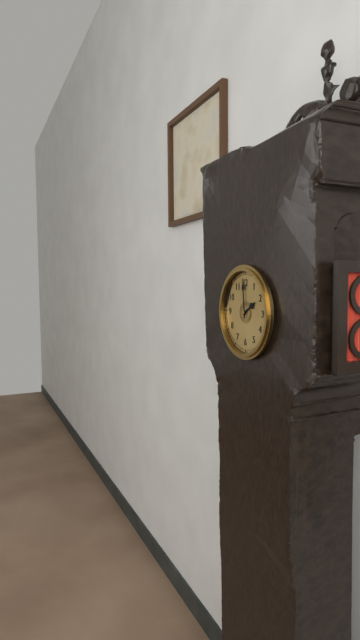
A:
1,59
